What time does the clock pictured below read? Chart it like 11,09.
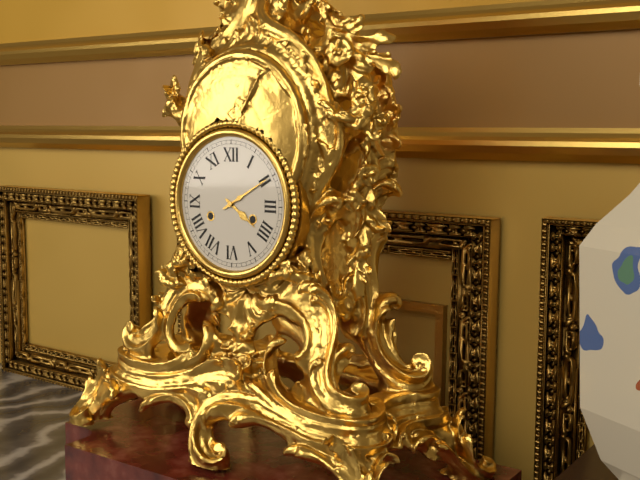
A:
4,10
